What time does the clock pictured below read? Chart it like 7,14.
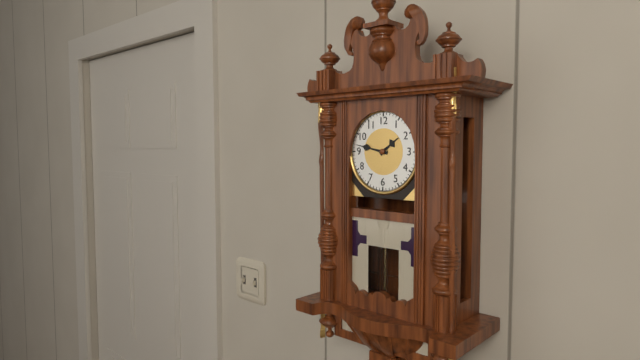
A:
1,47
